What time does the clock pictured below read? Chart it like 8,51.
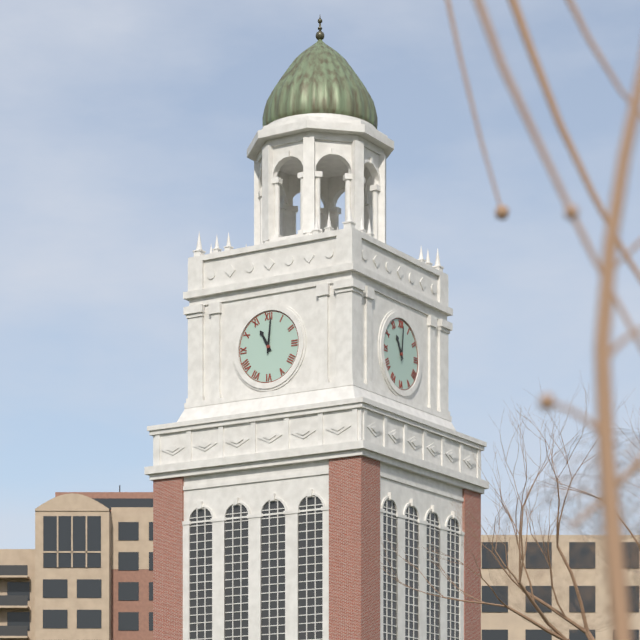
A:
11,01
